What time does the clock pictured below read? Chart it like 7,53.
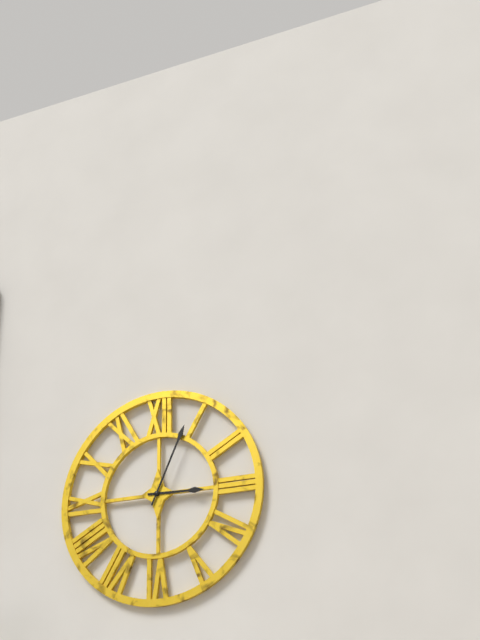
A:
3,04
